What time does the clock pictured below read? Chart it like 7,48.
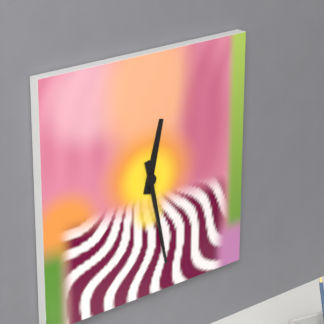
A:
12,28
